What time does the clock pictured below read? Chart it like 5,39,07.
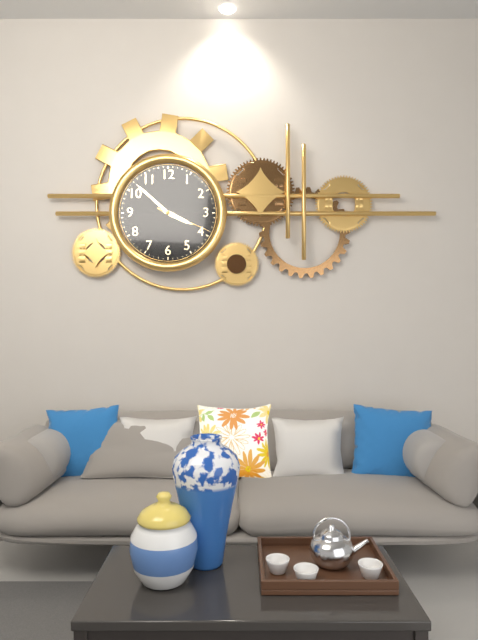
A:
3,52,19
